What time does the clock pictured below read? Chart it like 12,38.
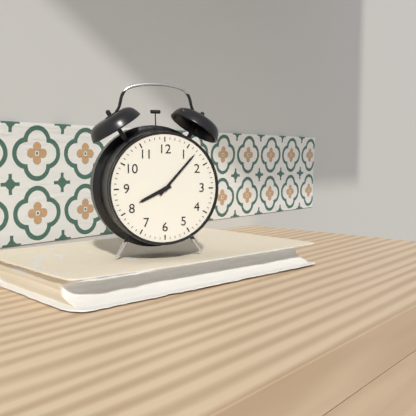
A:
8,07
